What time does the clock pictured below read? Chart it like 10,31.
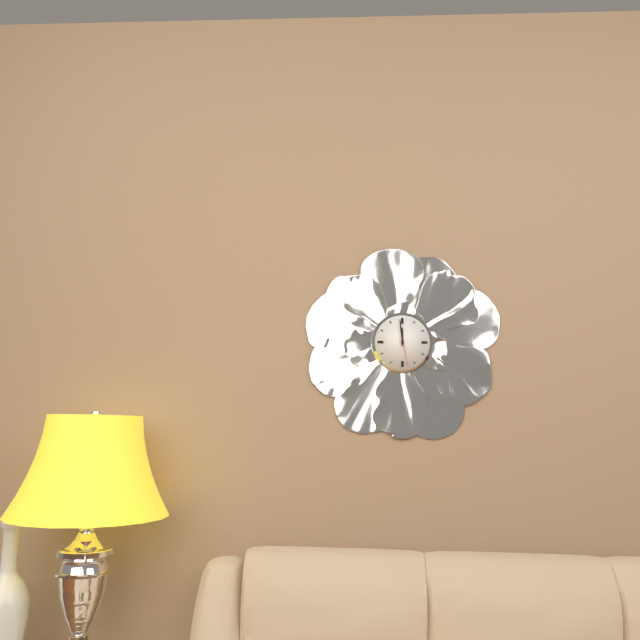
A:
11,59
